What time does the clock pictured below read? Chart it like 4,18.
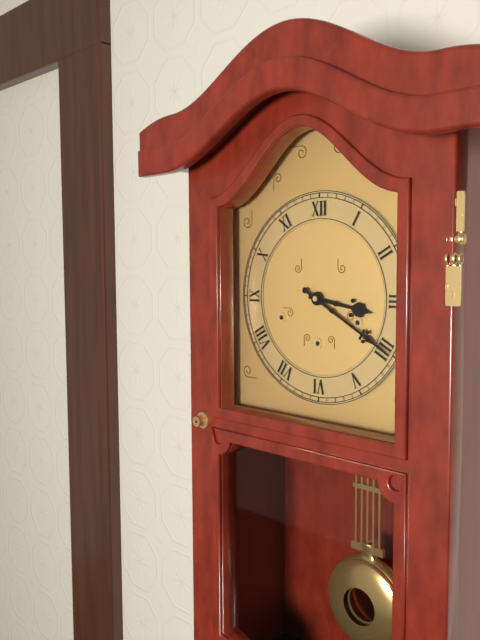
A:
3,20
